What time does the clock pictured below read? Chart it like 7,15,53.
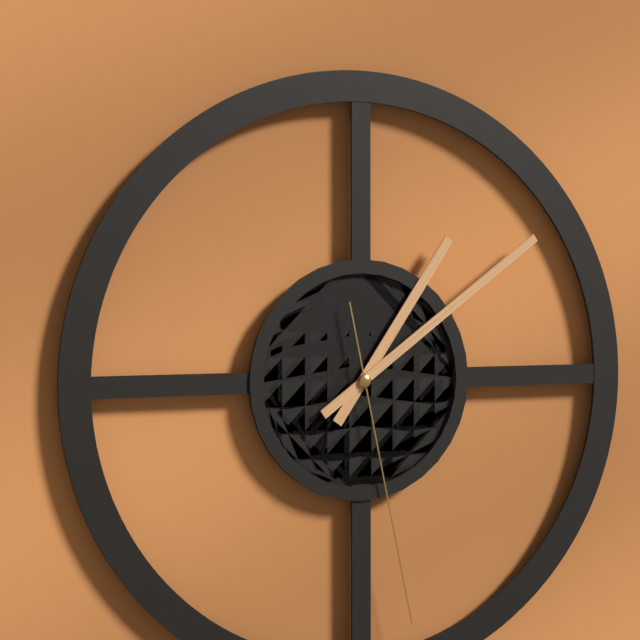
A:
1,09,28
